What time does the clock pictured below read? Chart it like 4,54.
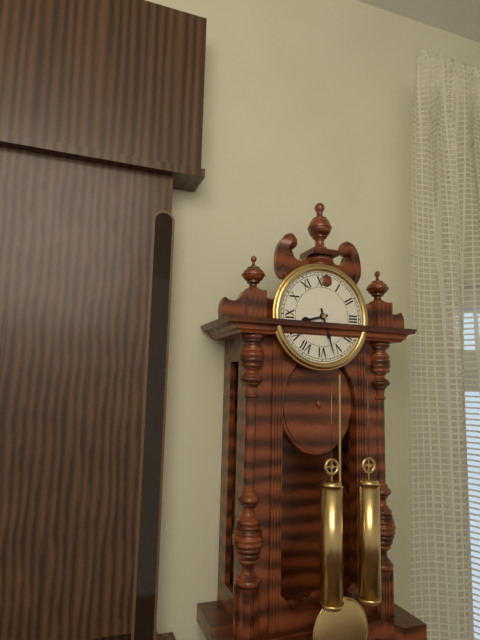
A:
8,27
